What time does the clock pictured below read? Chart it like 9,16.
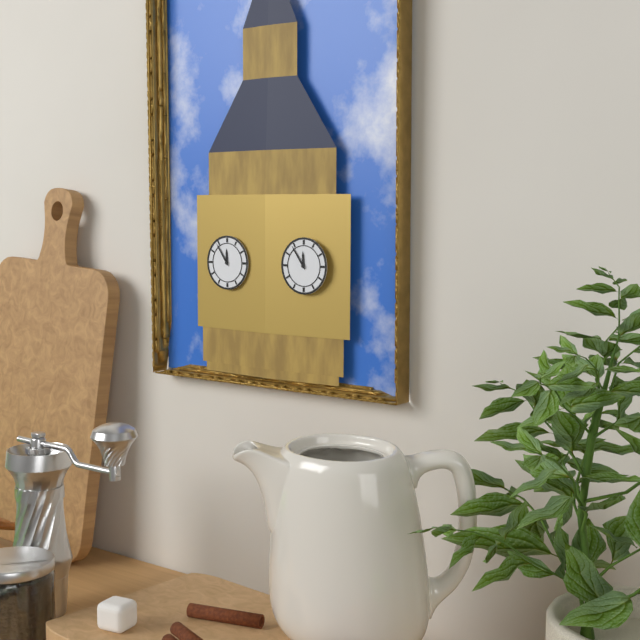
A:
11,54
